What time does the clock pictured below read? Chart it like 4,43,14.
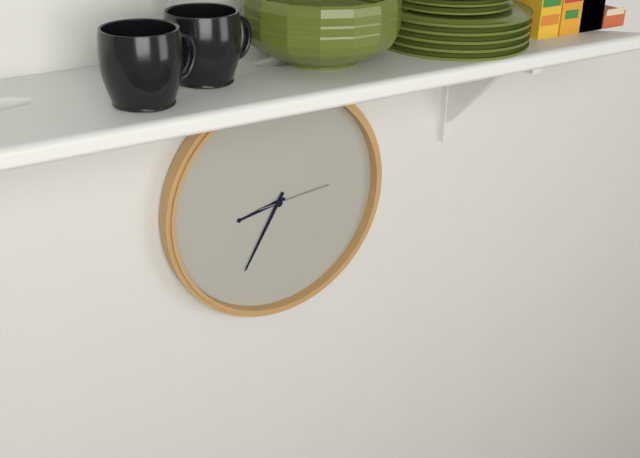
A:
8,35,14
